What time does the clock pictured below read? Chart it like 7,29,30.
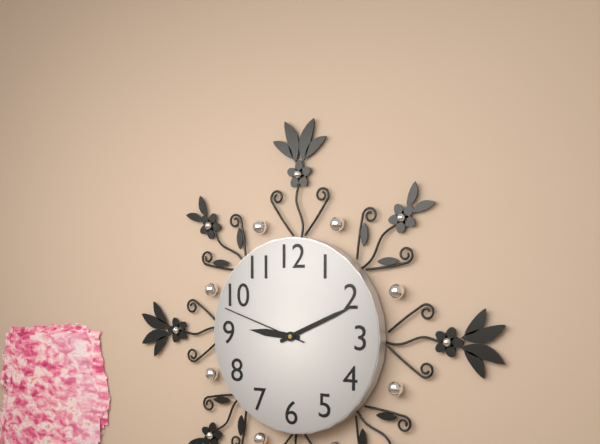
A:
9,11,48
